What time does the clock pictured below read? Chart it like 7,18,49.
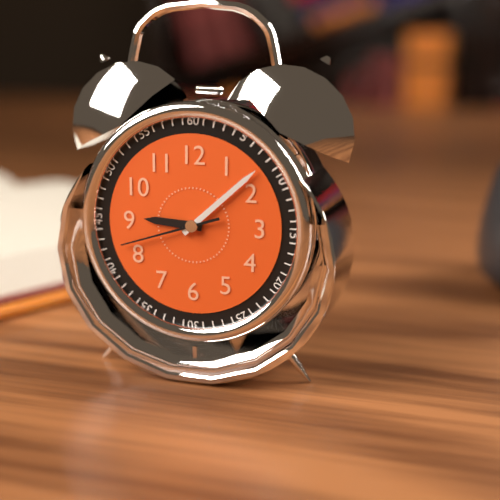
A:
9,08,42
